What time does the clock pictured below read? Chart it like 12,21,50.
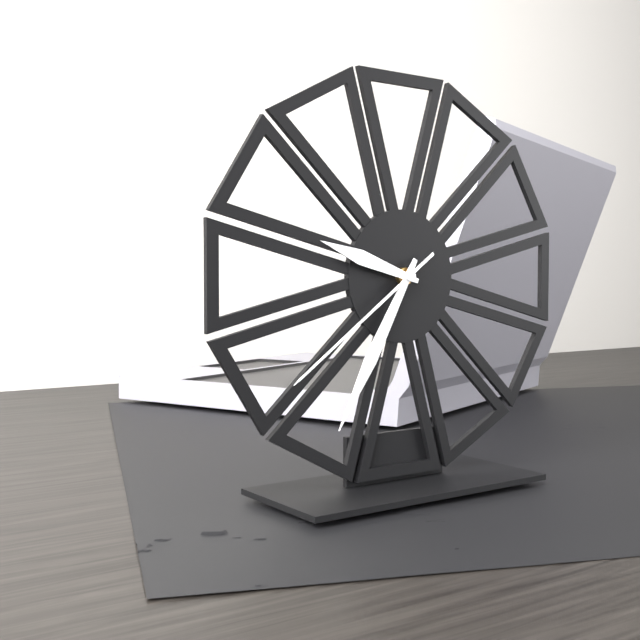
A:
9,35,39
